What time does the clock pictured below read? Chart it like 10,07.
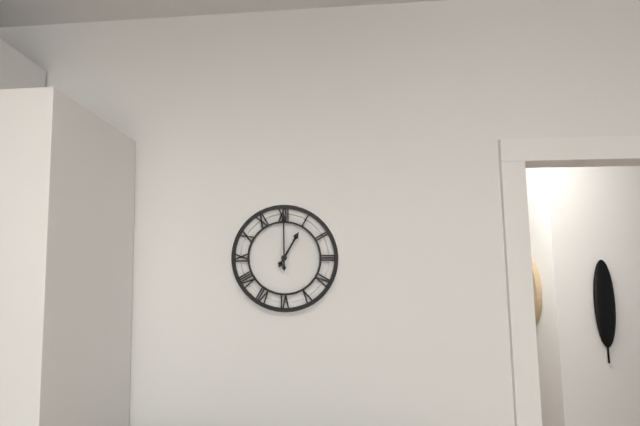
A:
1,00
